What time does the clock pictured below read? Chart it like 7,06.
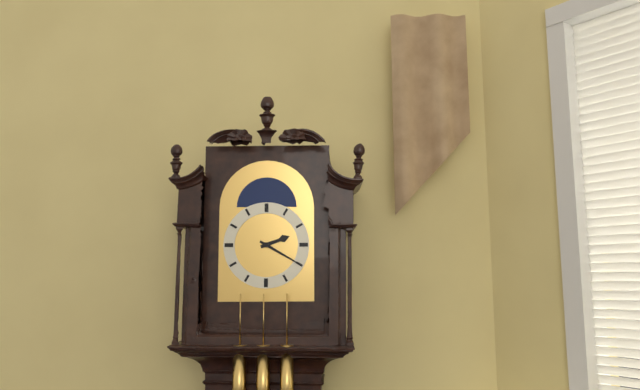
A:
2,20
